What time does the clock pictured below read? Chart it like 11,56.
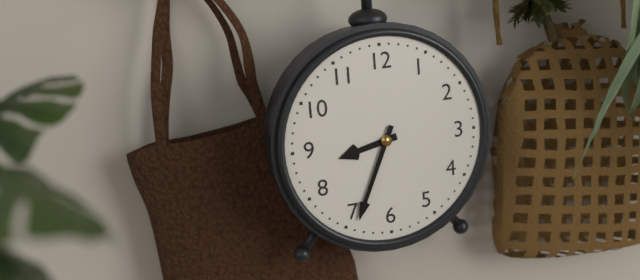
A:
8,34
